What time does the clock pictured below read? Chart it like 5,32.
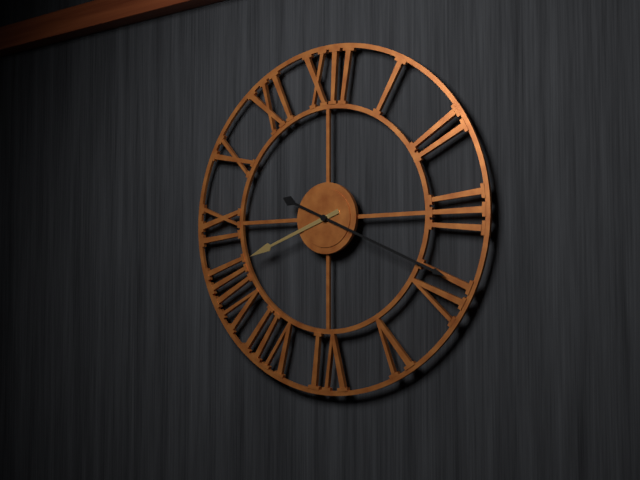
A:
8,19
